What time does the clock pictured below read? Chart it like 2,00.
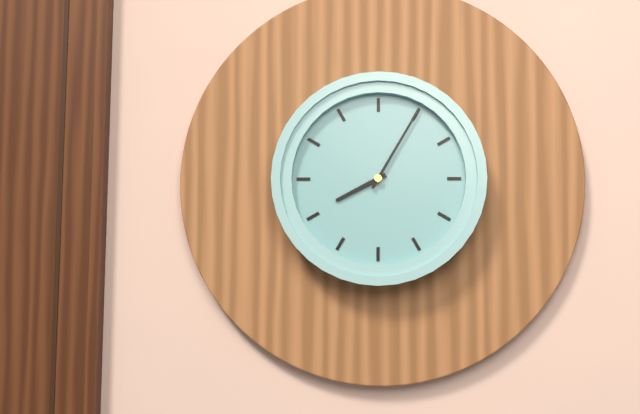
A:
8,05
